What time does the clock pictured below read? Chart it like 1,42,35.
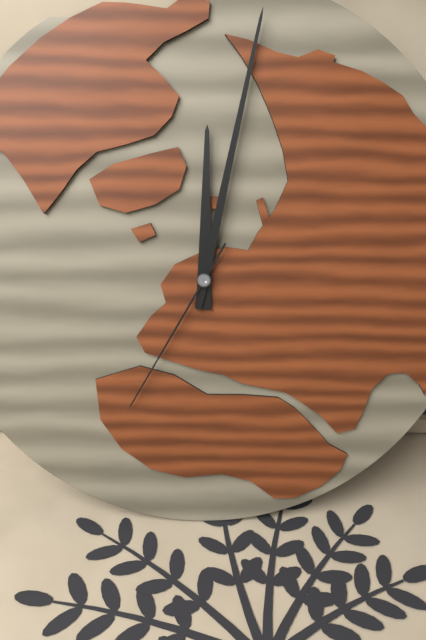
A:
12,02,35
